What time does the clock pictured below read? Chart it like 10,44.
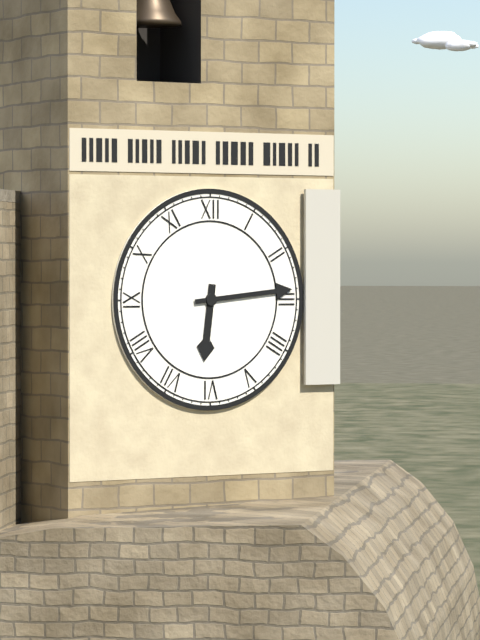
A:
6,14
